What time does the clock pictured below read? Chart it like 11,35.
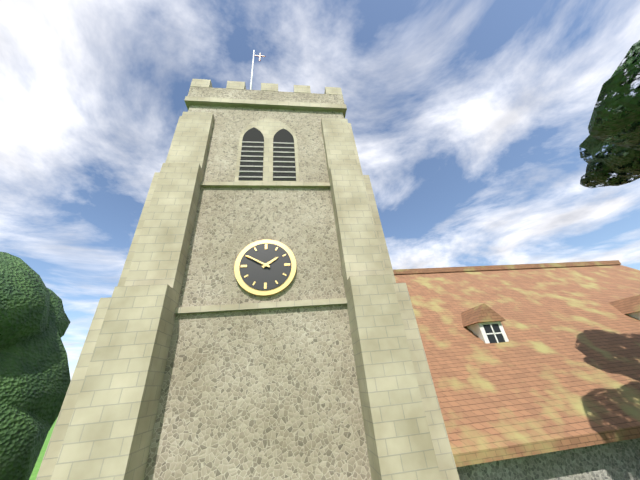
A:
1,50
